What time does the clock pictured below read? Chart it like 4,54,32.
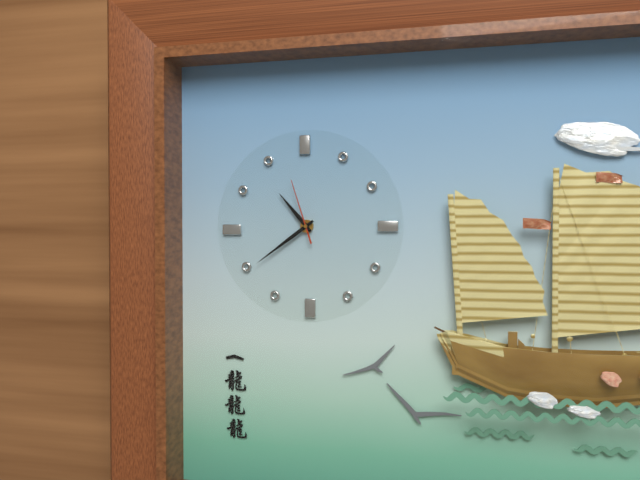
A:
10,39,57
